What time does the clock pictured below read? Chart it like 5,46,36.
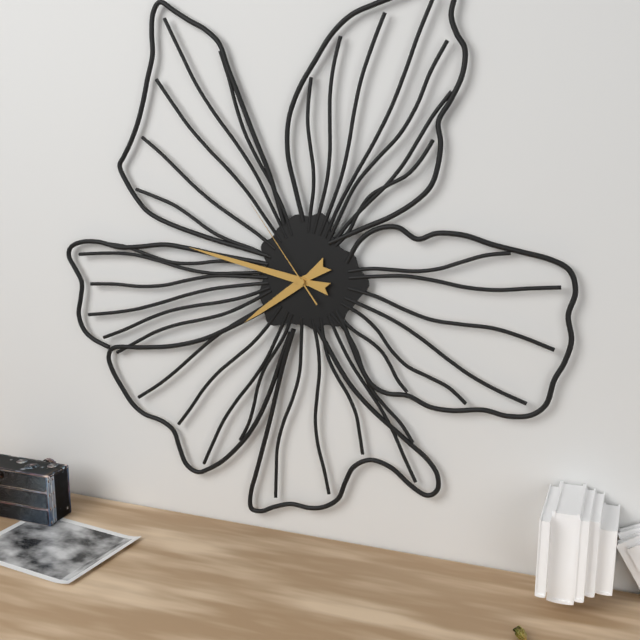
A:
7,47,54
